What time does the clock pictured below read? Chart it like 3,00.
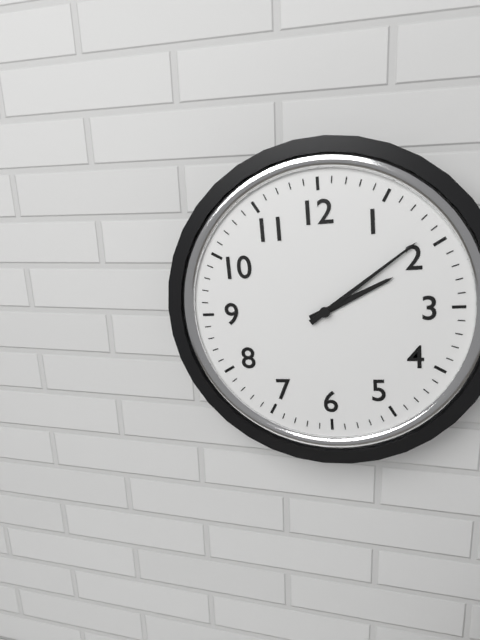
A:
2,09
